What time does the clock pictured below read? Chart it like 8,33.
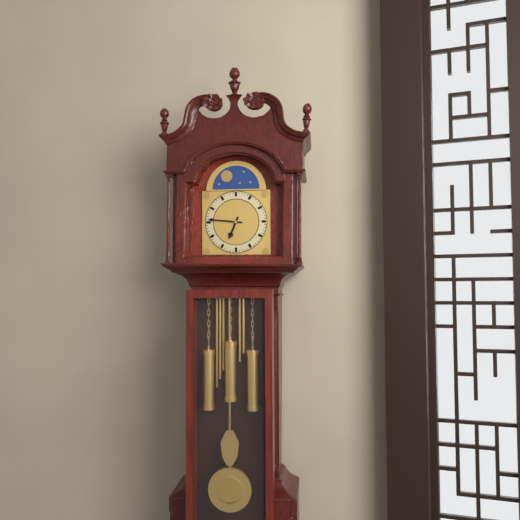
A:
6,46
